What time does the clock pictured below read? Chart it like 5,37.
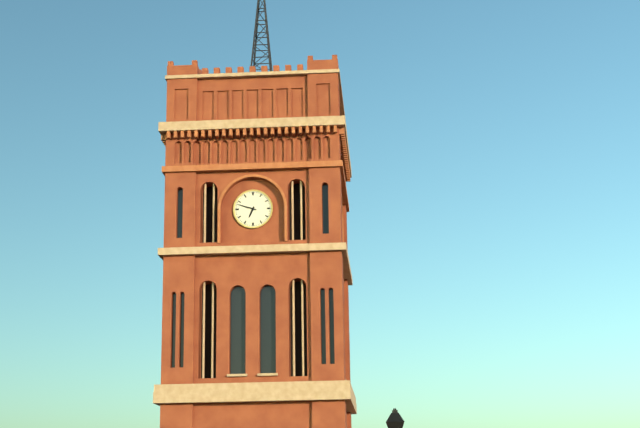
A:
6,48
